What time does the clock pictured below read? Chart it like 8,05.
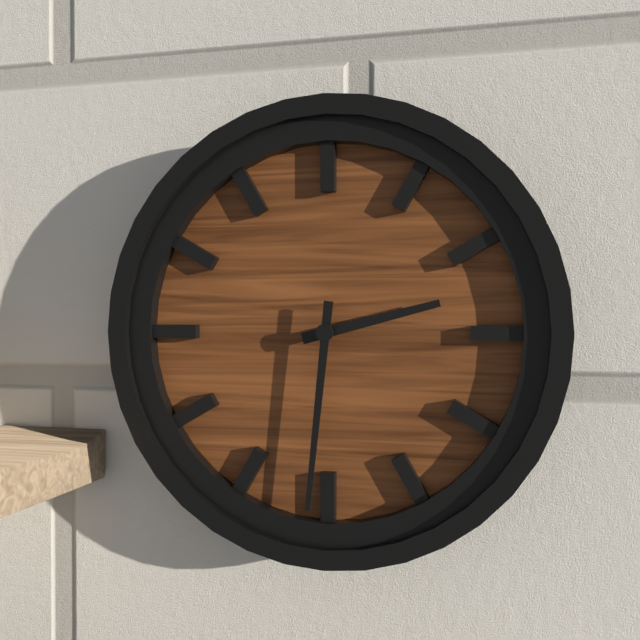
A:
2,31
